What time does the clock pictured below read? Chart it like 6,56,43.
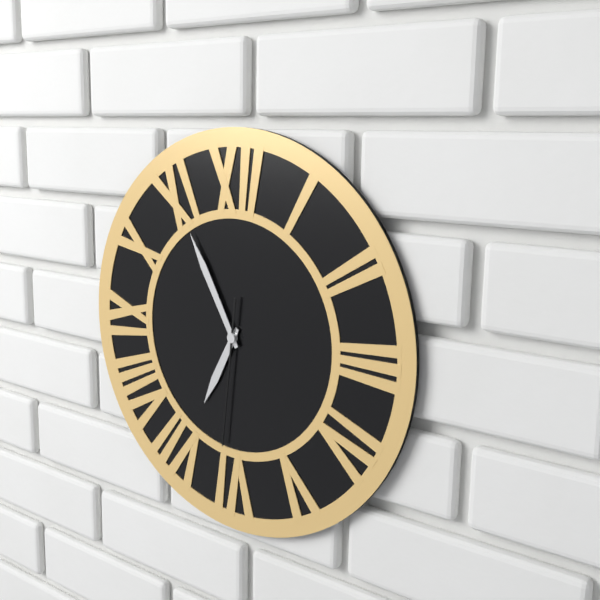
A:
6,55,31
